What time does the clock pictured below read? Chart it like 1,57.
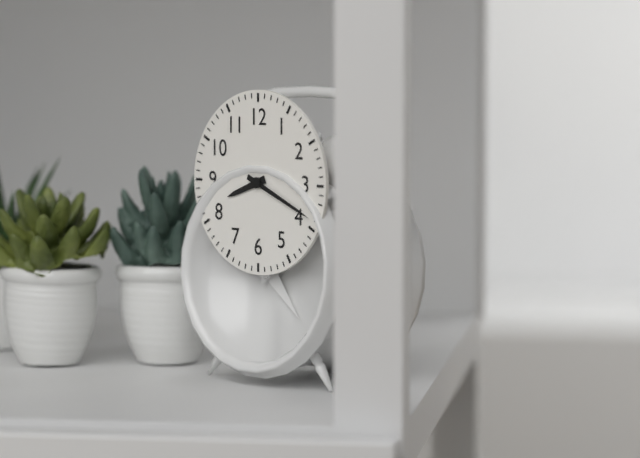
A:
8,19
